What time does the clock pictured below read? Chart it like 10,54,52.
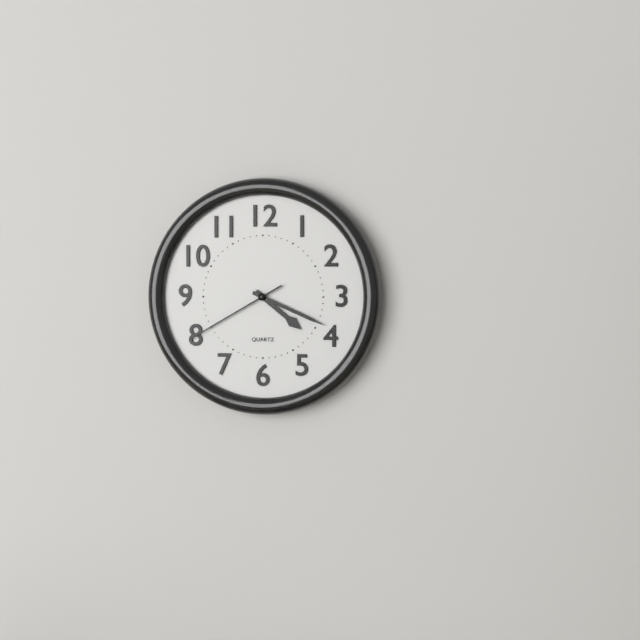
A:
4,19,40
